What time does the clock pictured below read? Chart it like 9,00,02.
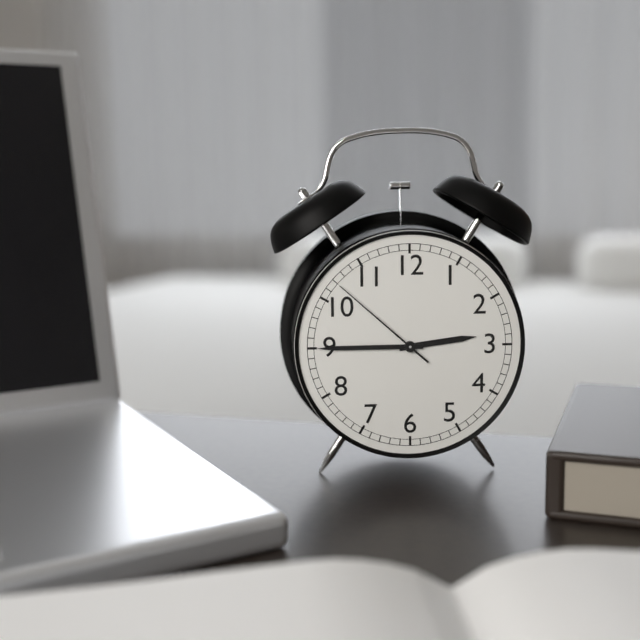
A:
2,45,52
